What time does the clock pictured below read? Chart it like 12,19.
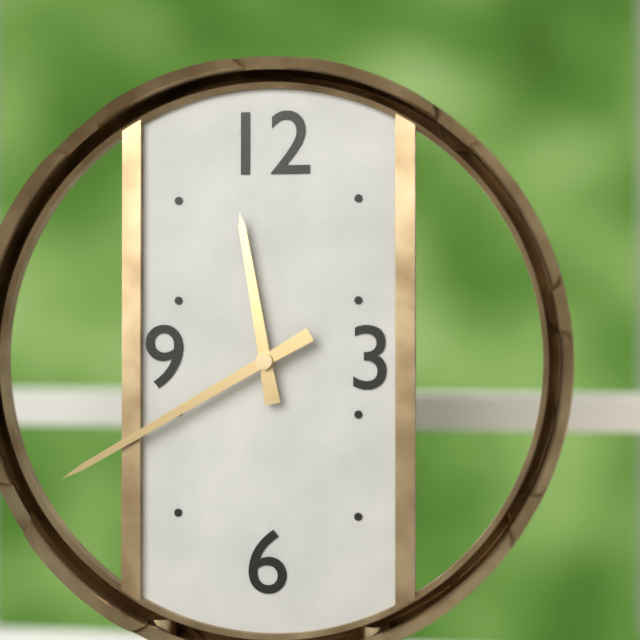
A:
11,40
